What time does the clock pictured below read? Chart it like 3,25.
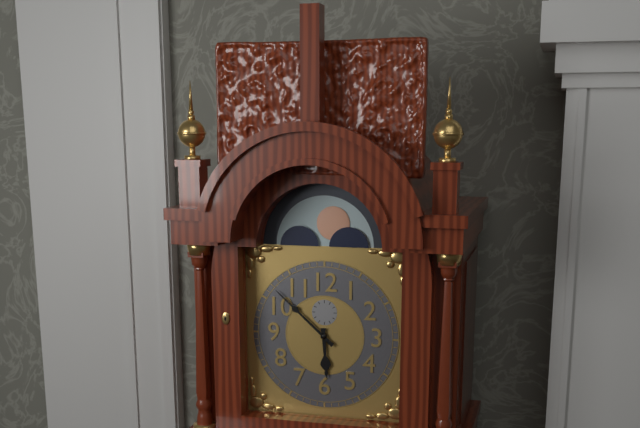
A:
5,52
